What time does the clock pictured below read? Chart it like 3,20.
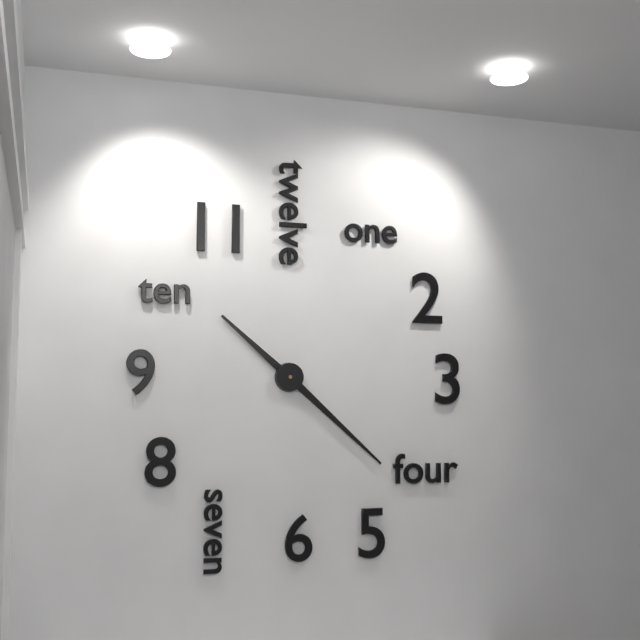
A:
10,22
